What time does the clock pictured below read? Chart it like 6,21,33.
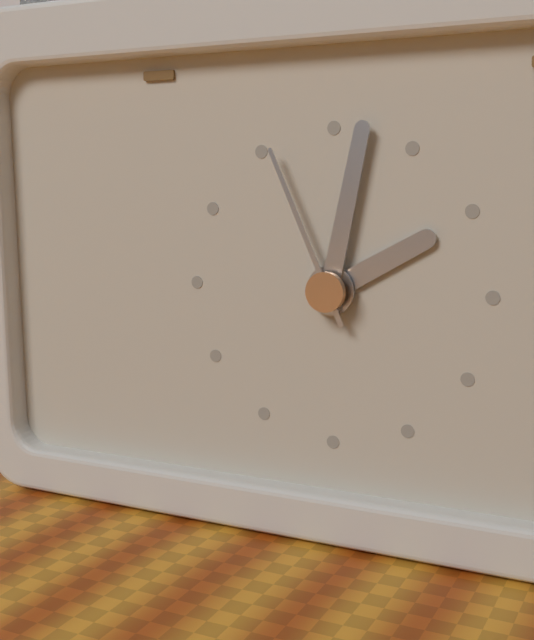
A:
2,02,56
